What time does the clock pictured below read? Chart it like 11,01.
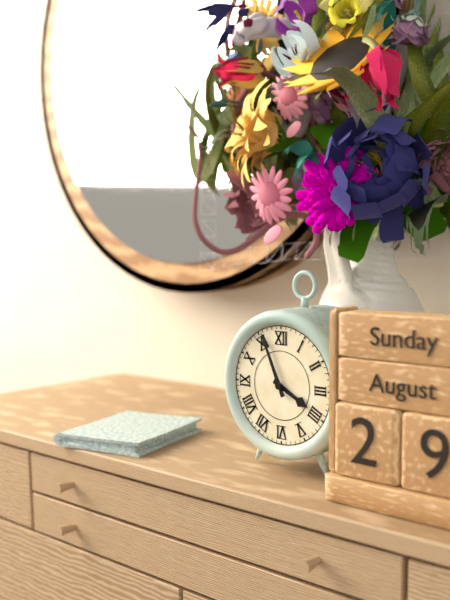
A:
3,56
